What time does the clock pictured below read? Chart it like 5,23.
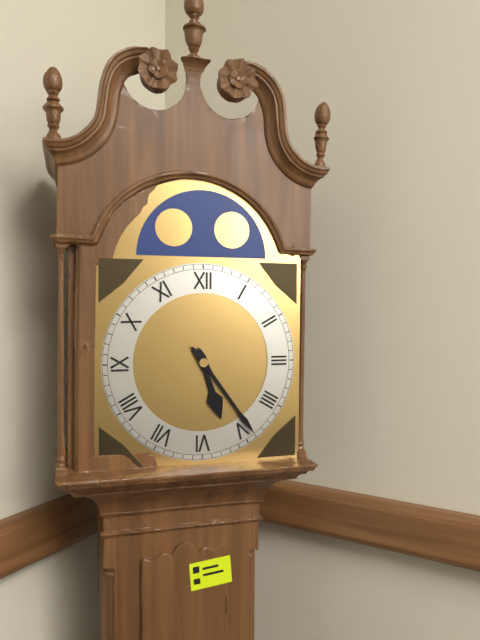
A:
5,24
